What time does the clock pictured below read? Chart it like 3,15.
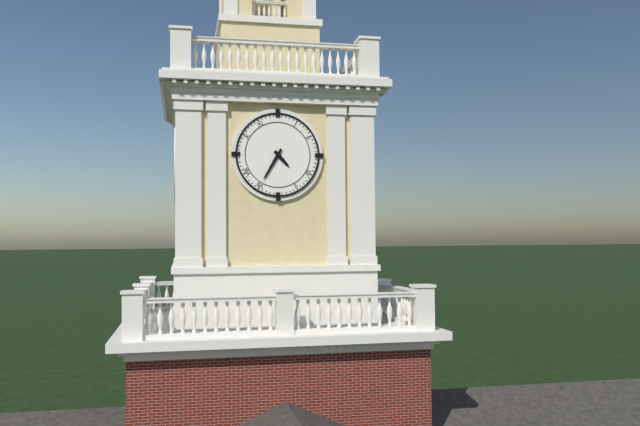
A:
4,35
